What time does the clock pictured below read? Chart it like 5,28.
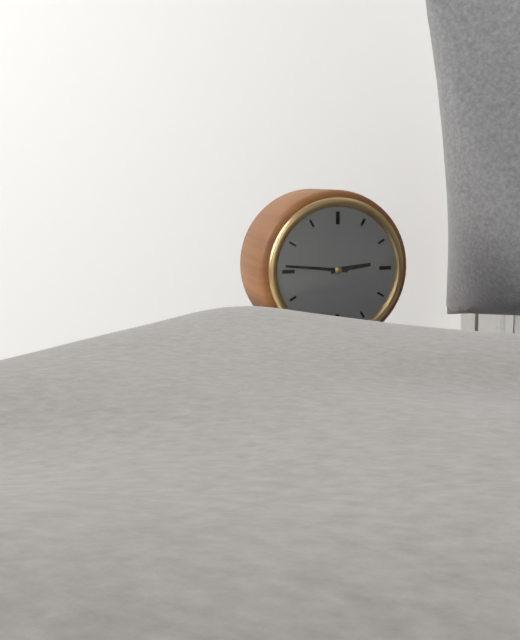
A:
2,46
